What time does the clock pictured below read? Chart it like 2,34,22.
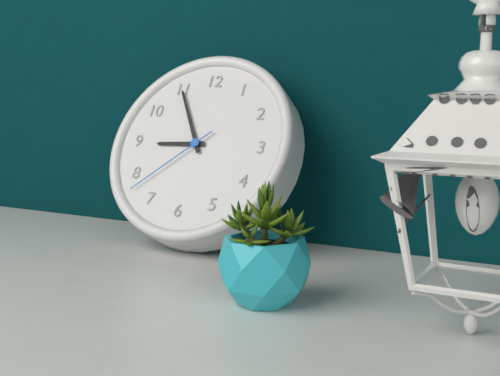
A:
8,55,38
